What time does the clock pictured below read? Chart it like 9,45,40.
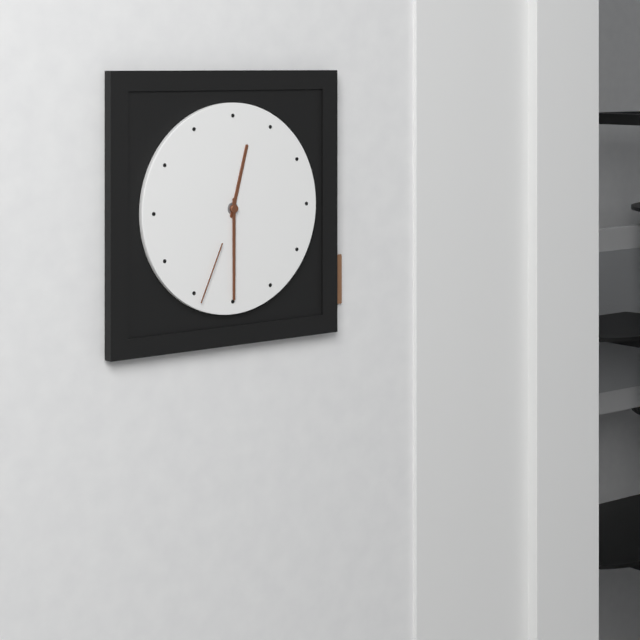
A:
12,30,34
